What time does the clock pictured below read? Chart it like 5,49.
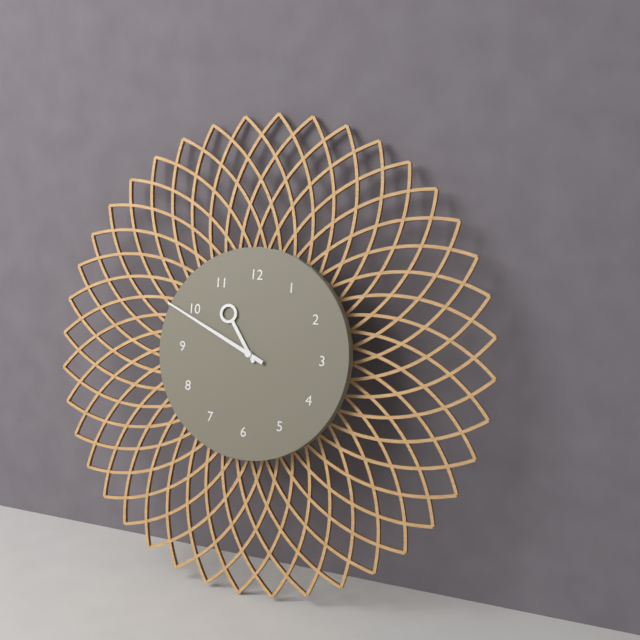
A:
10,49
